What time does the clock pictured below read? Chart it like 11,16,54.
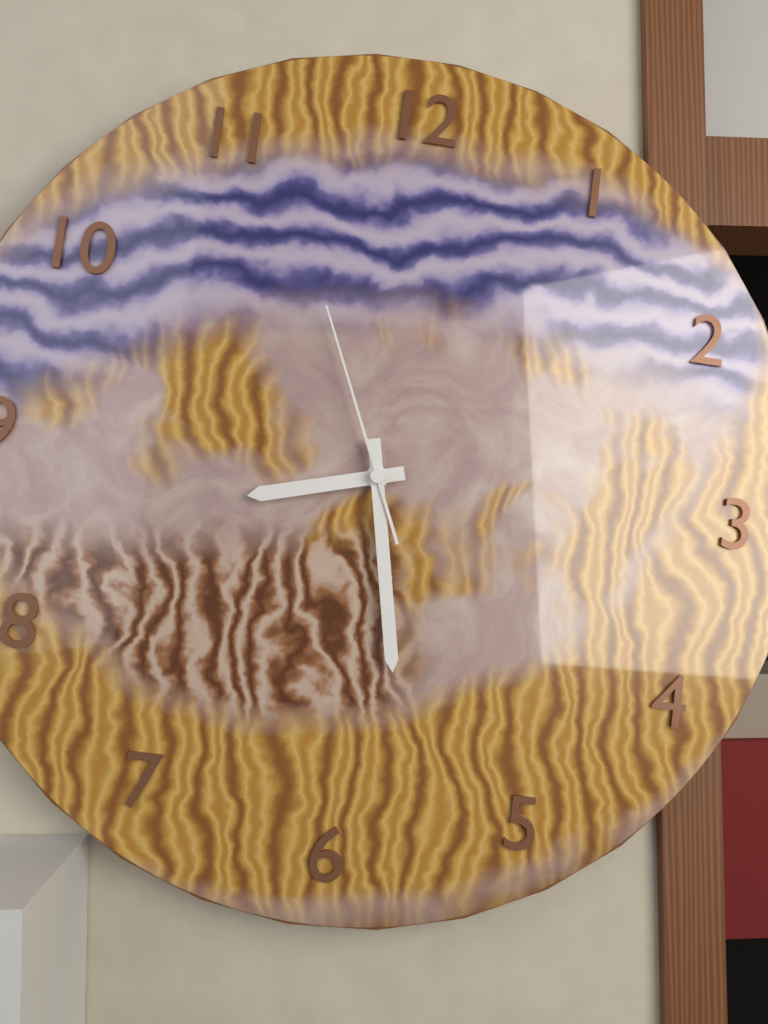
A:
8,28,56
